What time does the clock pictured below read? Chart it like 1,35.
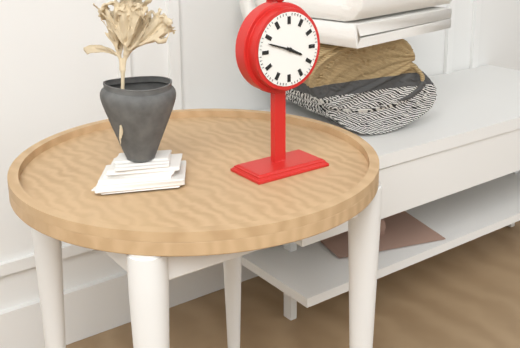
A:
3,48
